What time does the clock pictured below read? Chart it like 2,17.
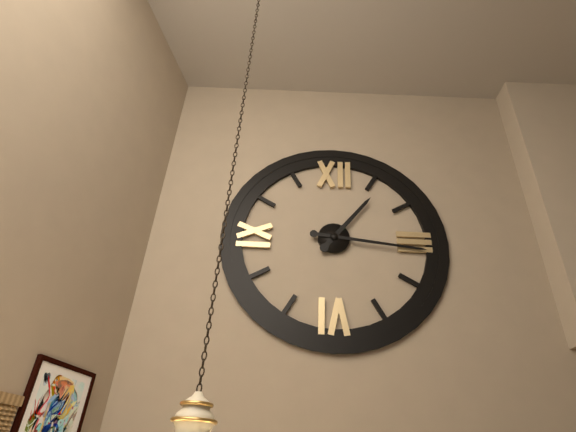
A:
1,16
